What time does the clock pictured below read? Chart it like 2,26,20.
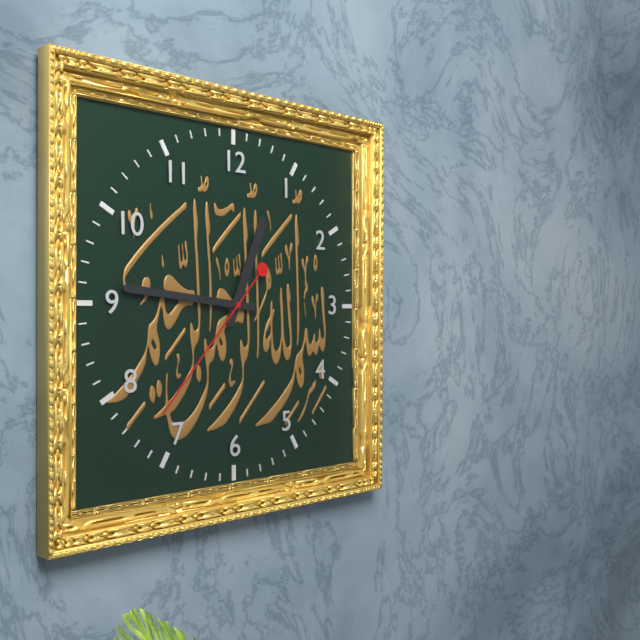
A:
12,46,37
